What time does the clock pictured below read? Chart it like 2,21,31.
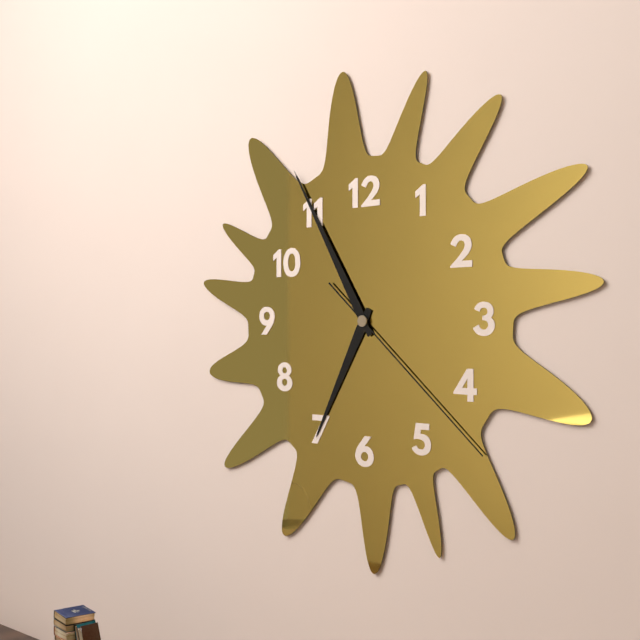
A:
6,55,22
